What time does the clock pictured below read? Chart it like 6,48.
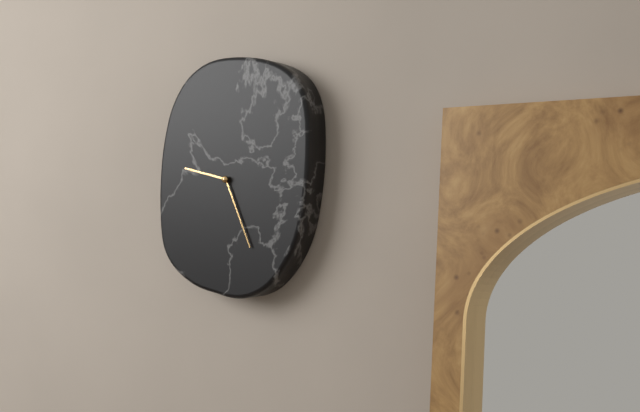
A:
9,26
